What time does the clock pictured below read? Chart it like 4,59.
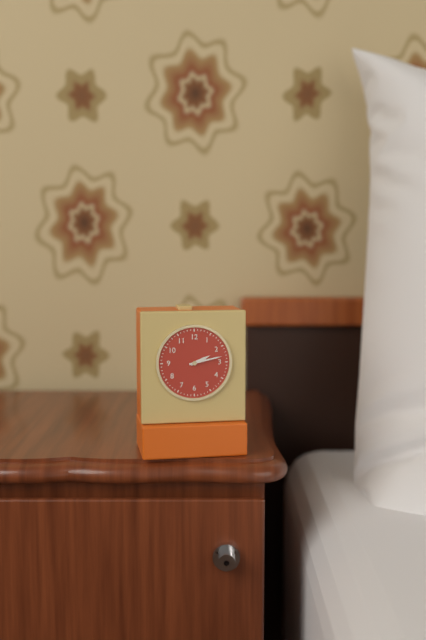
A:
2,13
